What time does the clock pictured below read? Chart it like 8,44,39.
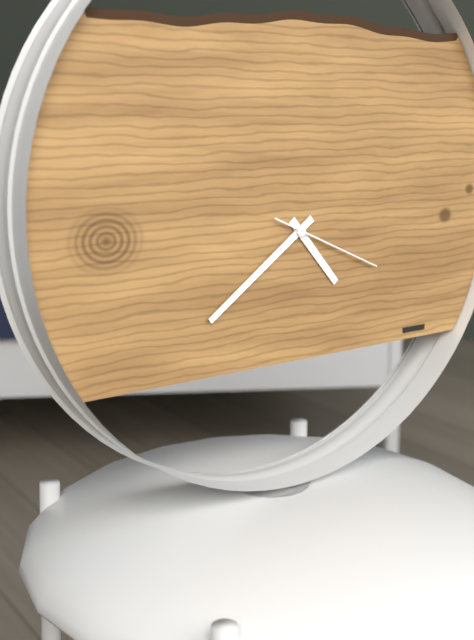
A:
4,39,19
